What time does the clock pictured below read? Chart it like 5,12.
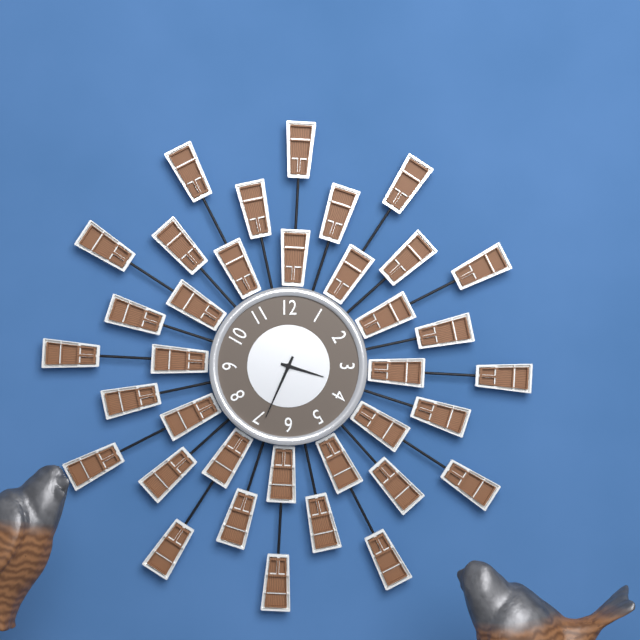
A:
3,34
